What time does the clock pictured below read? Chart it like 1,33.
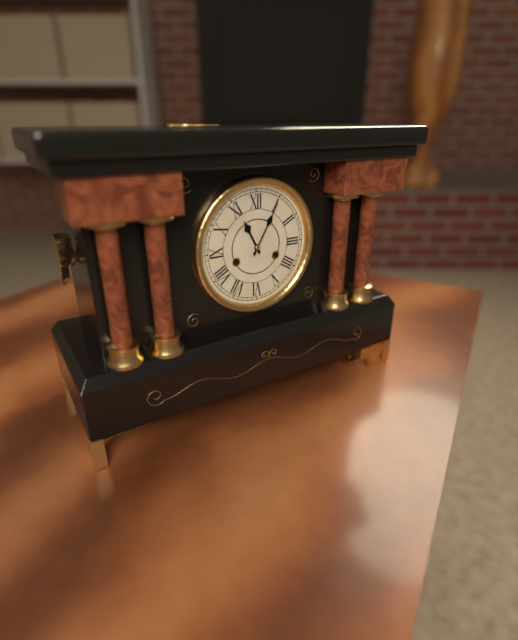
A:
11,05
